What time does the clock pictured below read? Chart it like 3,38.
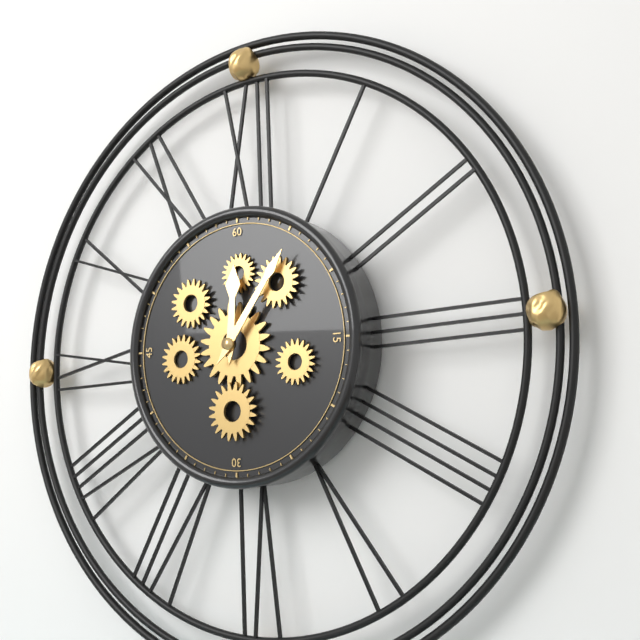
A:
12,06
